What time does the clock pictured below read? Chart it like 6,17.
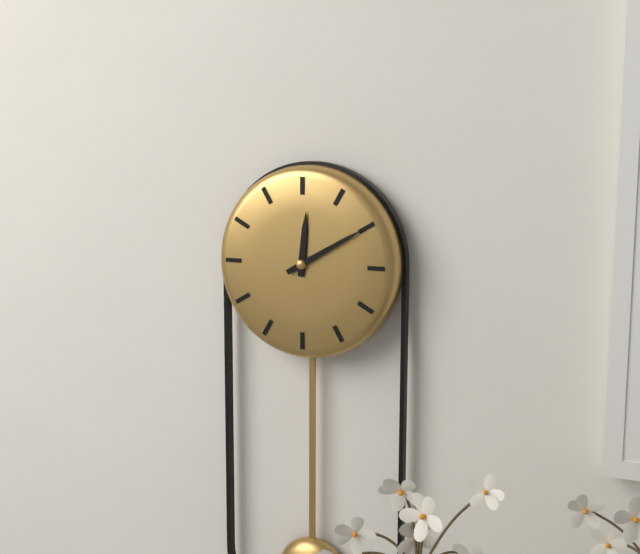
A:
12,10
